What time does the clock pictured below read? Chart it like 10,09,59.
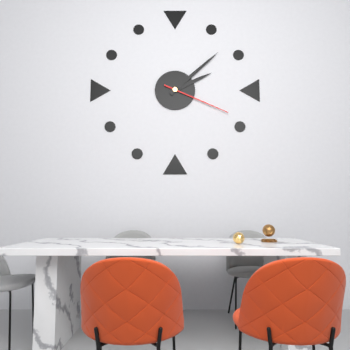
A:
2,08,19
